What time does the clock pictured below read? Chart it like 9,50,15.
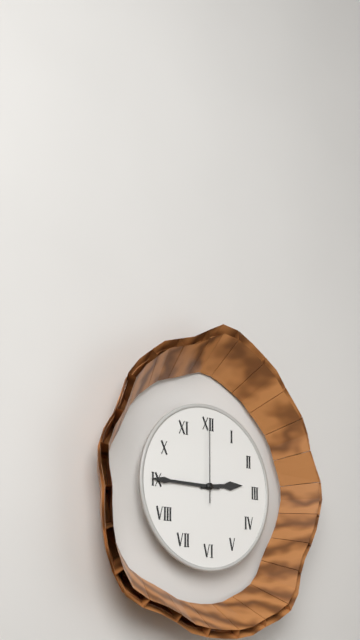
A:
2,45,00
